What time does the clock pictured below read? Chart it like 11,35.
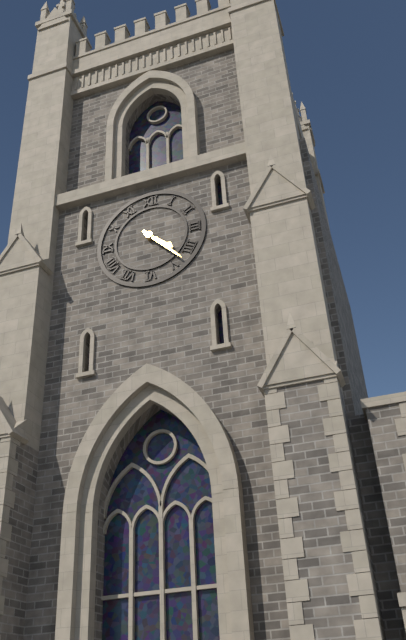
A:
4,23
